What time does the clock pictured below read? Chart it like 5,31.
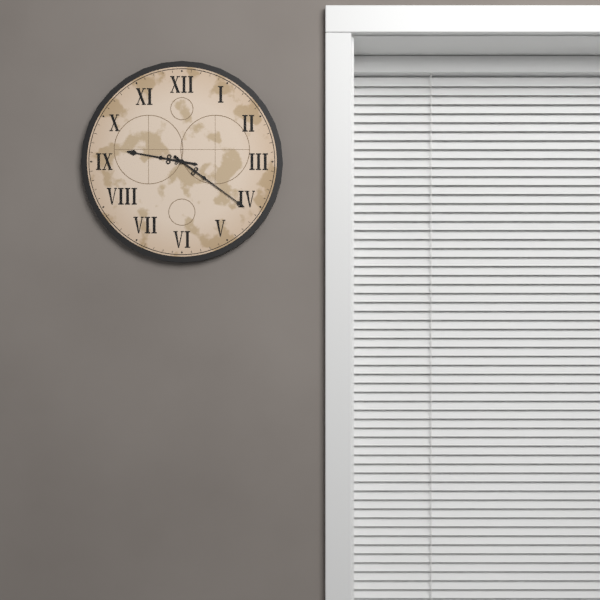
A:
9,21
